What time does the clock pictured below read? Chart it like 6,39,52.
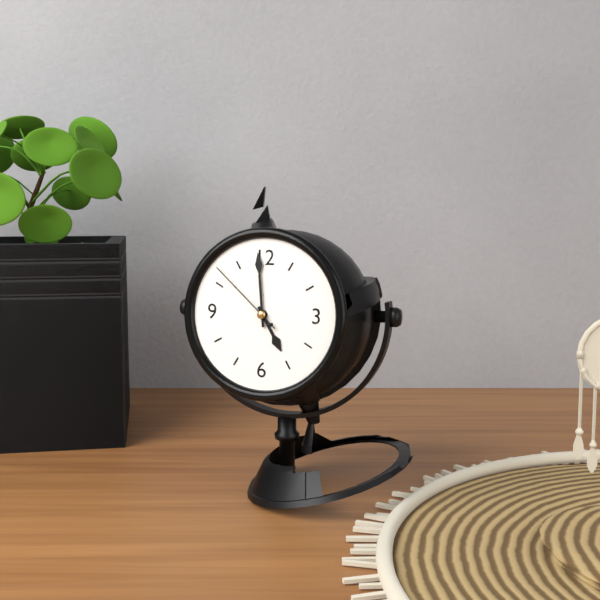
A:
4,59,52
